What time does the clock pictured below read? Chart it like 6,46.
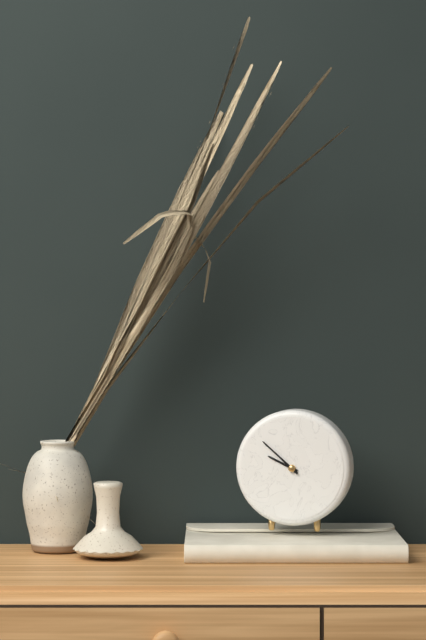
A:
9,52
